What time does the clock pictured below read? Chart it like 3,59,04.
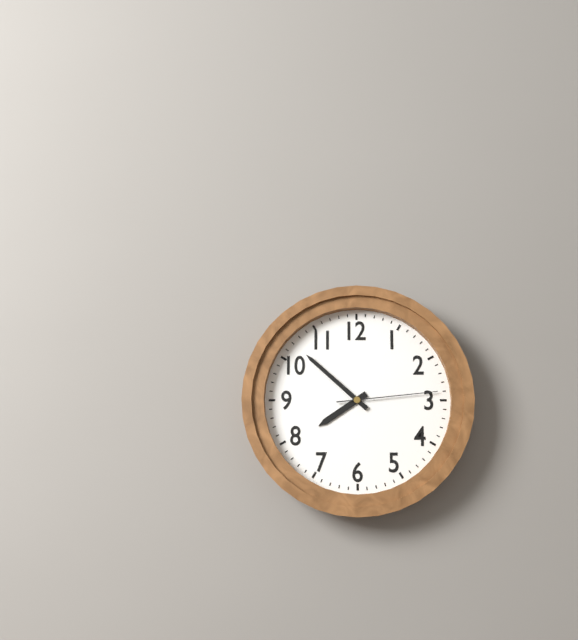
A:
7,52,14
